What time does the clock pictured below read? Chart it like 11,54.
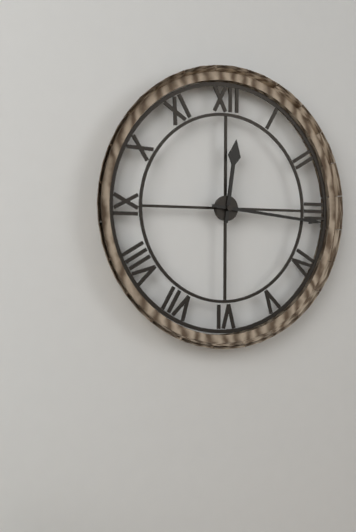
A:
12,16
